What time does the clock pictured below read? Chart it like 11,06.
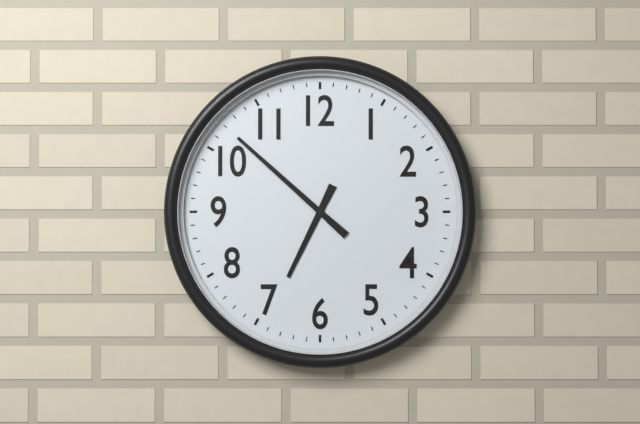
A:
6,52
